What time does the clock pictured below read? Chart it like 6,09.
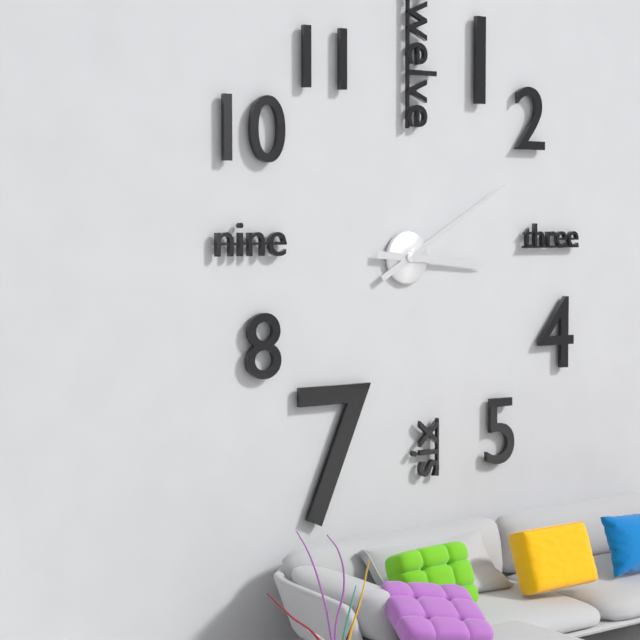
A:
3,10
